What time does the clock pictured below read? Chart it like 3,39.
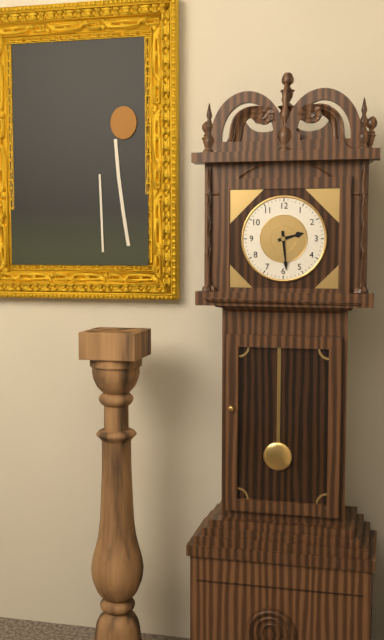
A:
2,29
